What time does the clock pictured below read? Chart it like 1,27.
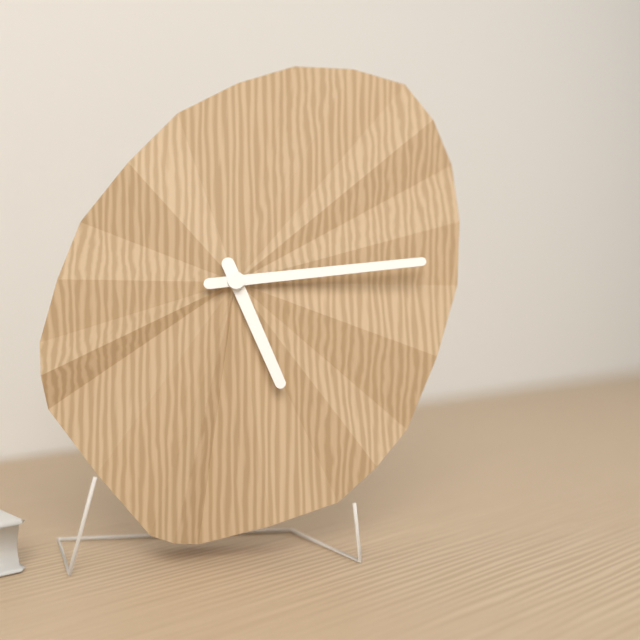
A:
5,14
